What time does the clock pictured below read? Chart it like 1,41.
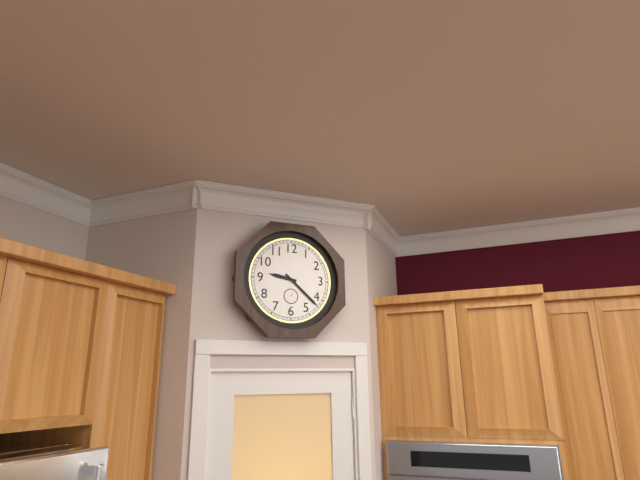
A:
9,22
